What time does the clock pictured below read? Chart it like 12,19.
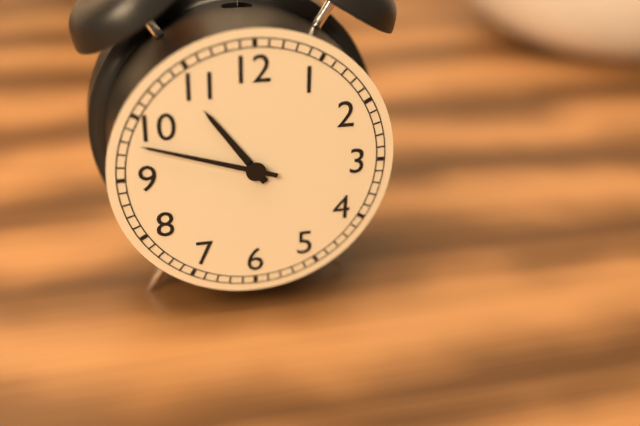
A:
10,48
